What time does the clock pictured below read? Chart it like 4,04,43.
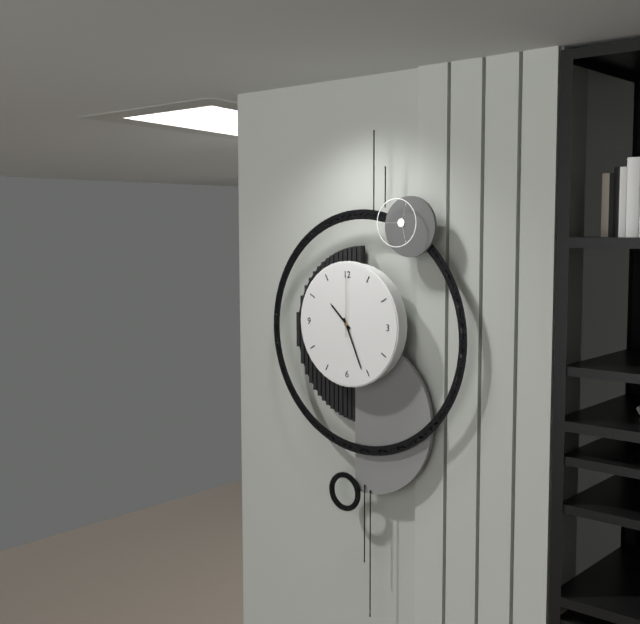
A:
10,26,00
